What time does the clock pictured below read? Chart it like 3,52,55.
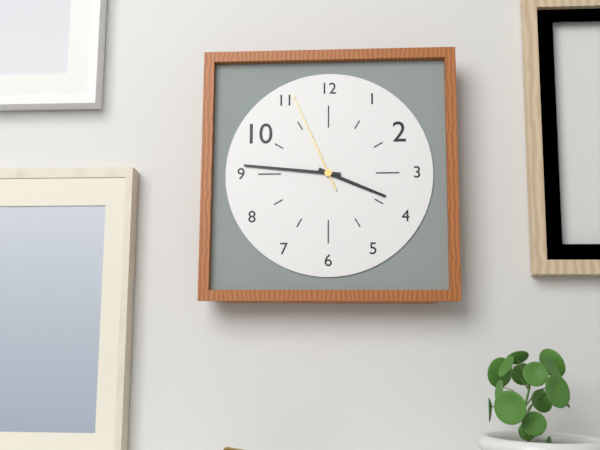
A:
3,46,56
